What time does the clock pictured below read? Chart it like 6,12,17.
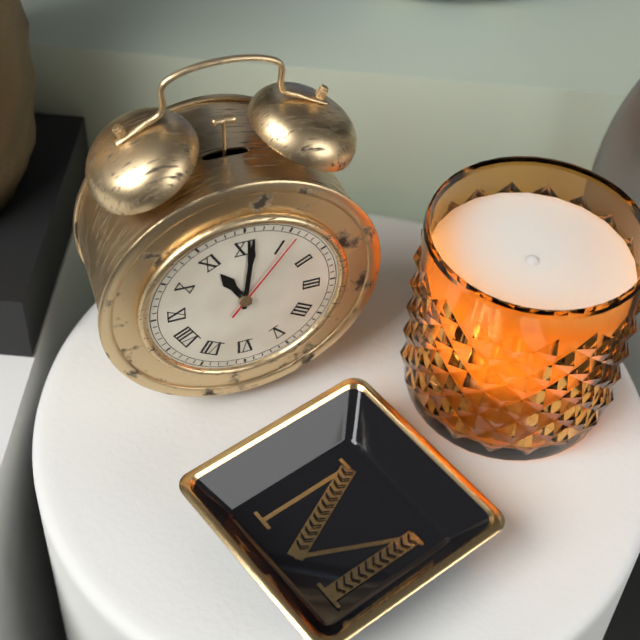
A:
11,01,06
